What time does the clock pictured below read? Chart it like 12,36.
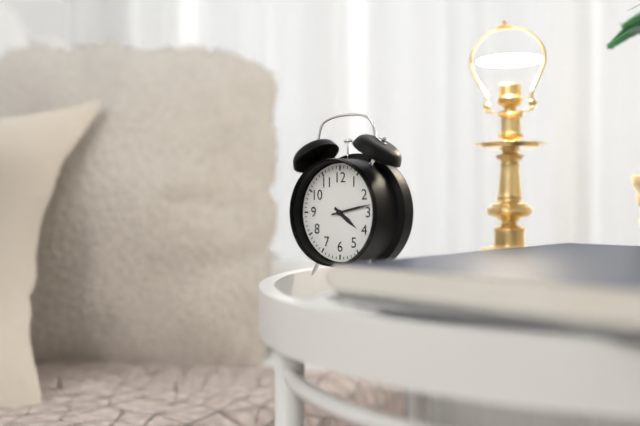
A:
4,13
